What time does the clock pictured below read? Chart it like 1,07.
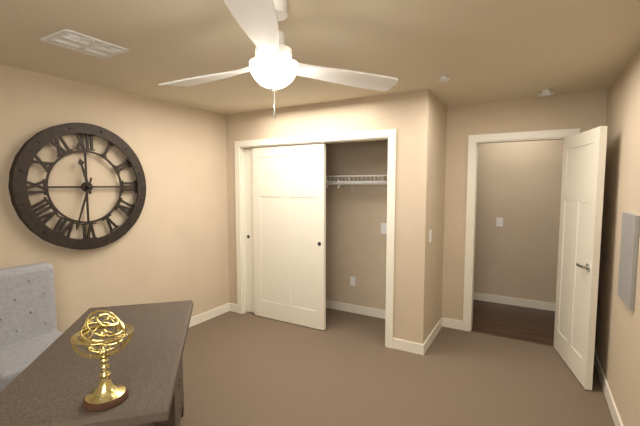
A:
11,33
